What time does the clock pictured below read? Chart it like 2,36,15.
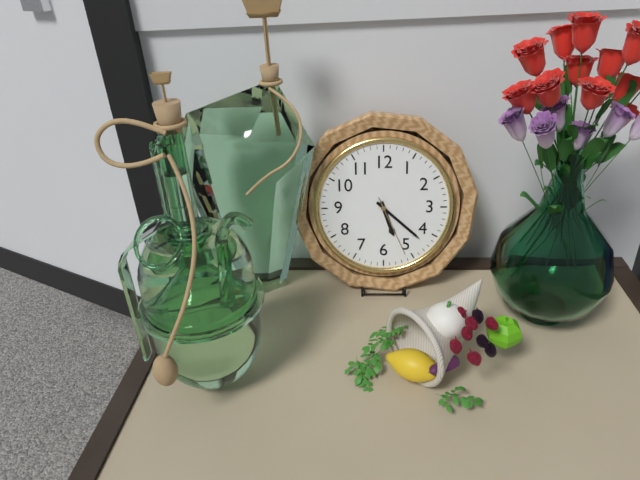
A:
5,22,26
